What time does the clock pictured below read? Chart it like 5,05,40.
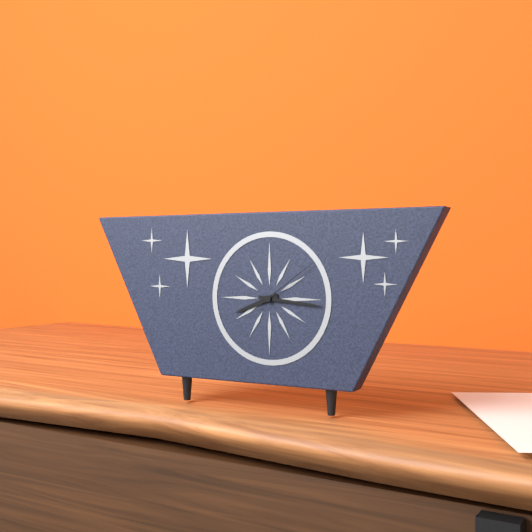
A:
8,16,09
